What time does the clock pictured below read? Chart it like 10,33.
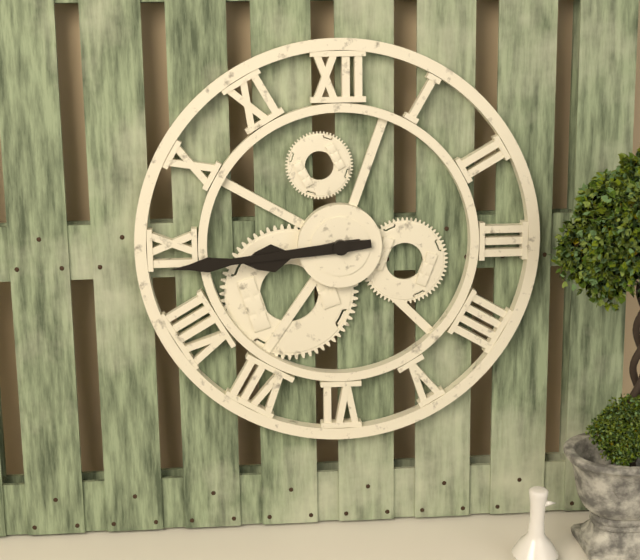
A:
8,44
